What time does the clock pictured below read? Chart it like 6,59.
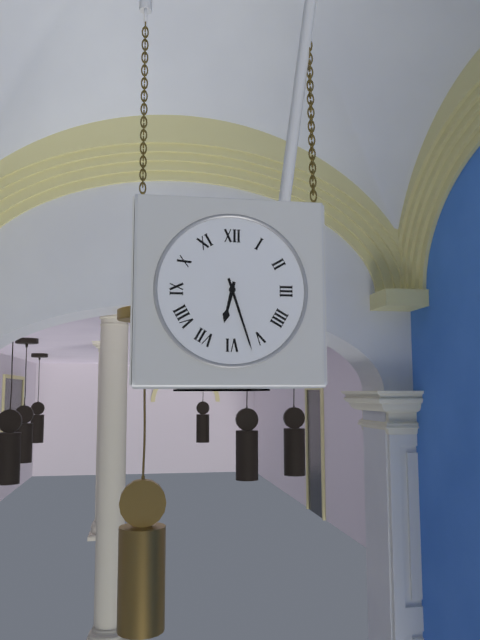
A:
6,27
